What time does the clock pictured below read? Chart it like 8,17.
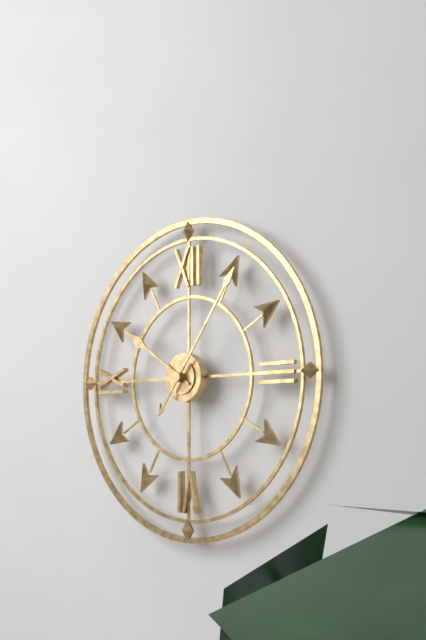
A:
10,06
